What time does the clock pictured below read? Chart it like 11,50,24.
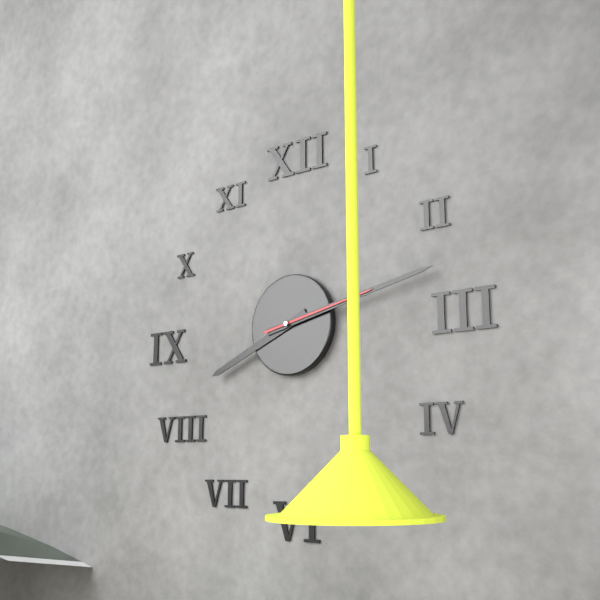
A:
8,13,13
